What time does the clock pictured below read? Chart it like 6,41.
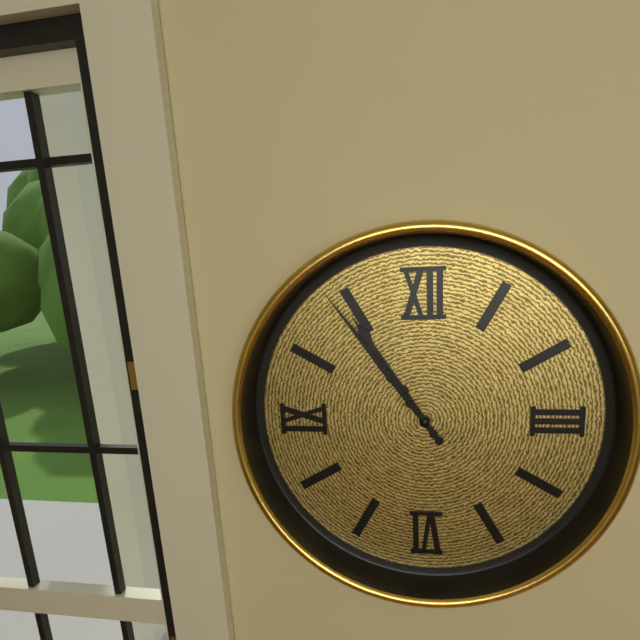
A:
10,54
